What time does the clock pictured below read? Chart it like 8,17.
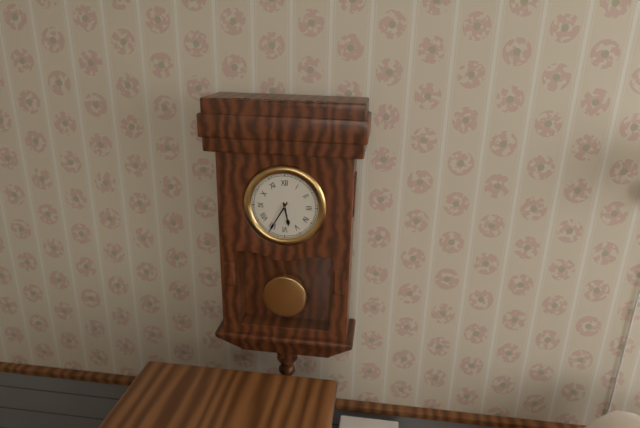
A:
5,35
